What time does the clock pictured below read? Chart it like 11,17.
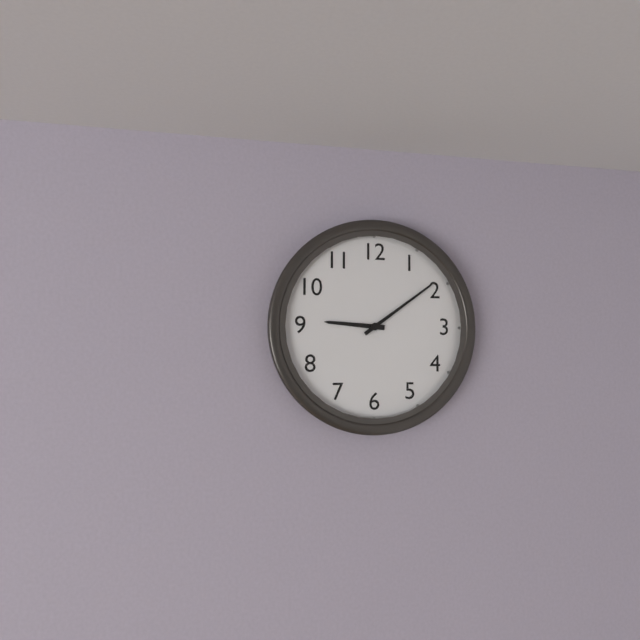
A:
9,09
